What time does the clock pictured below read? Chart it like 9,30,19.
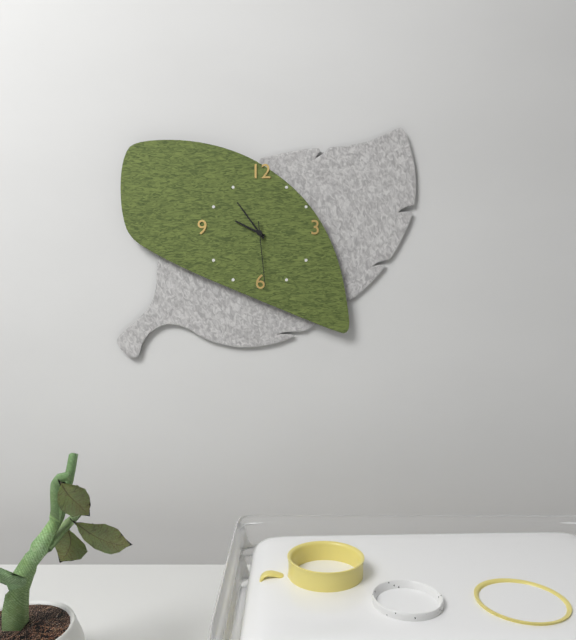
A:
9,54,29
